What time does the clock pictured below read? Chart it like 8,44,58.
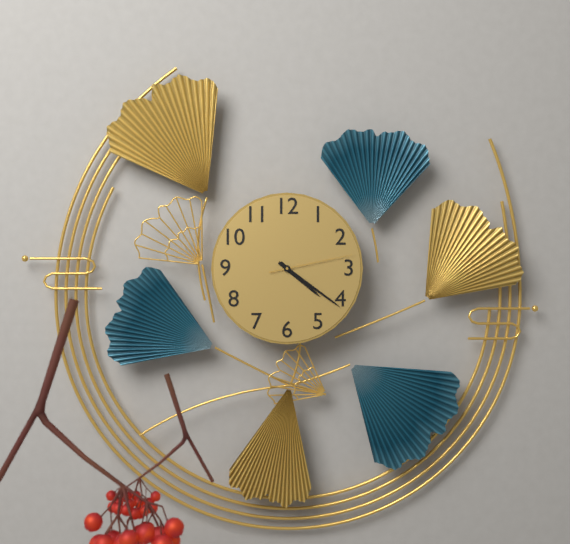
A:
4,21,13
